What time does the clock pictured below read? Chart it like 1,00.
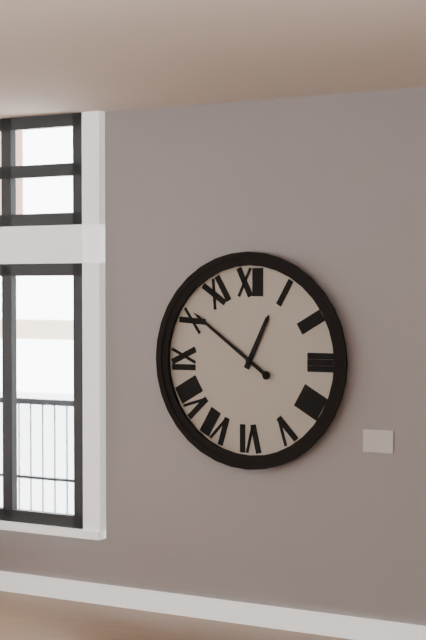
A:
12,51
